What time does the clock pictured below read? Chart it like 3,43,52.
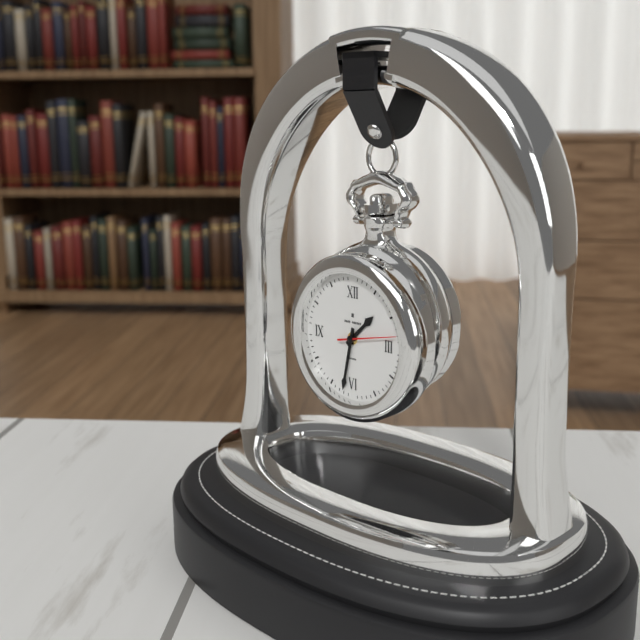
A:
1,32,13
